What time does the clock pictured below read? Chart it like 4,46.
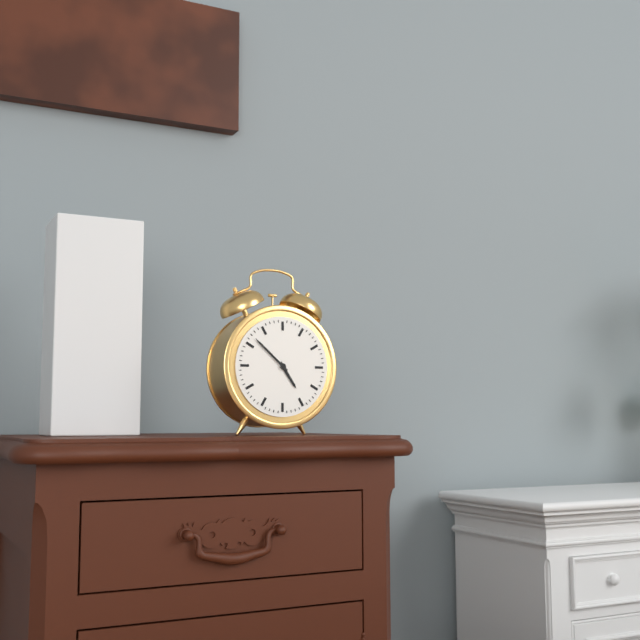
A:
4,52
